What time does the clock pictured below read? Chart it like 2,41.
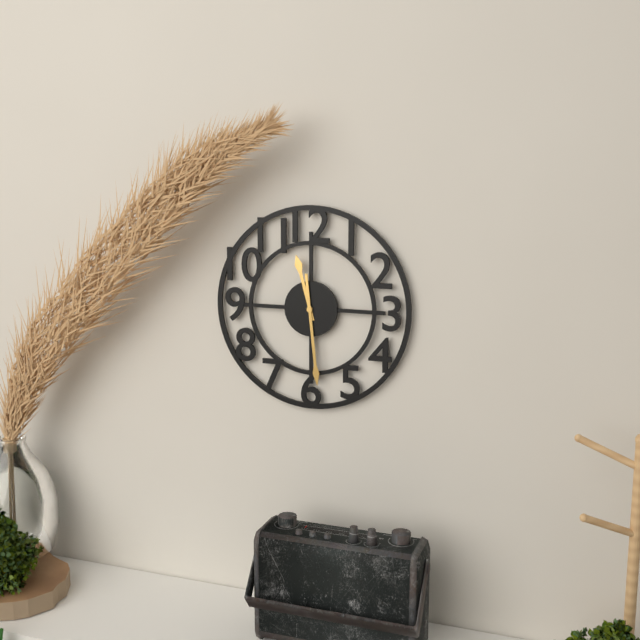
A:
11,29
